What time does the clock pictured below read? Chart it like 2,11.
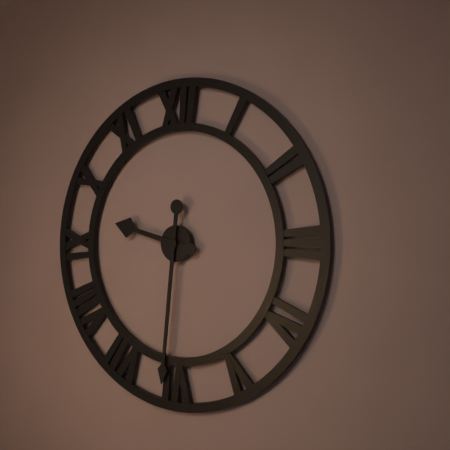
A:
9,31
